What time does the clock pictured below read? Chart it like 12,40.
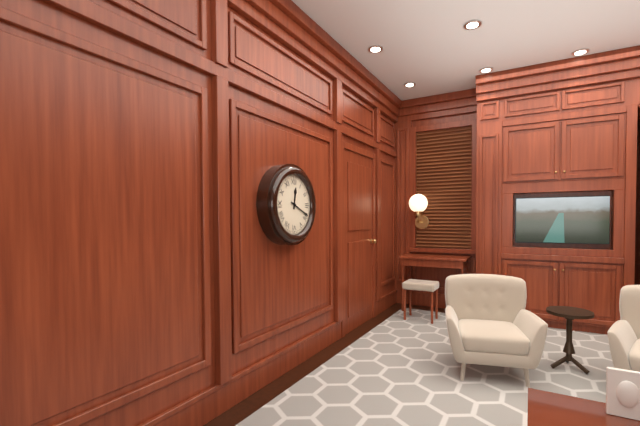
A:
12,19
